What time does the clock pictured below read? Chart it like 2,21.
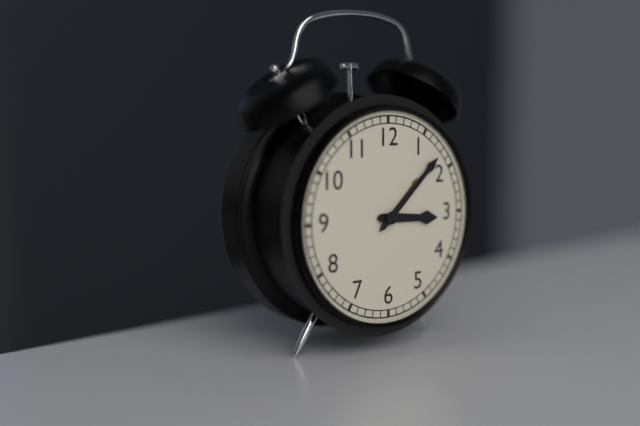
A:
3,08
